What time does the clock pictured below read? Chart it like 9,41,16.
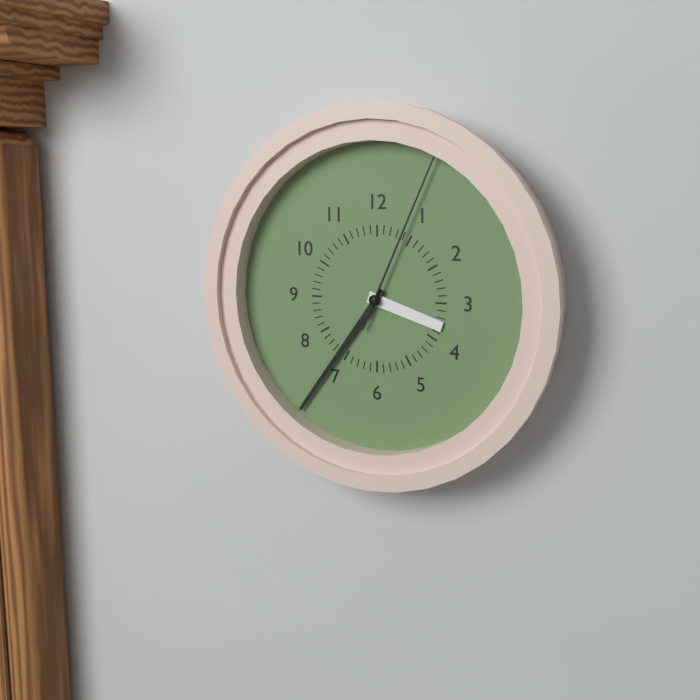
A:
3,36,04
